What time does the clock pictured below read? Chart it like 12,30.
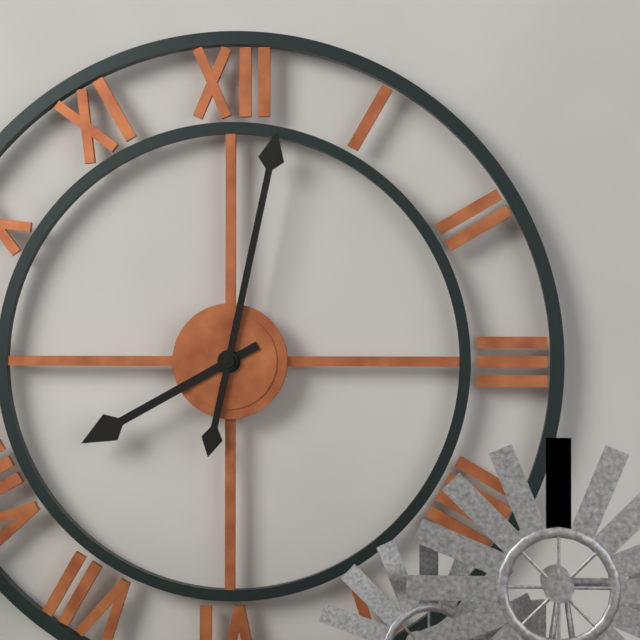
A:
8,02
